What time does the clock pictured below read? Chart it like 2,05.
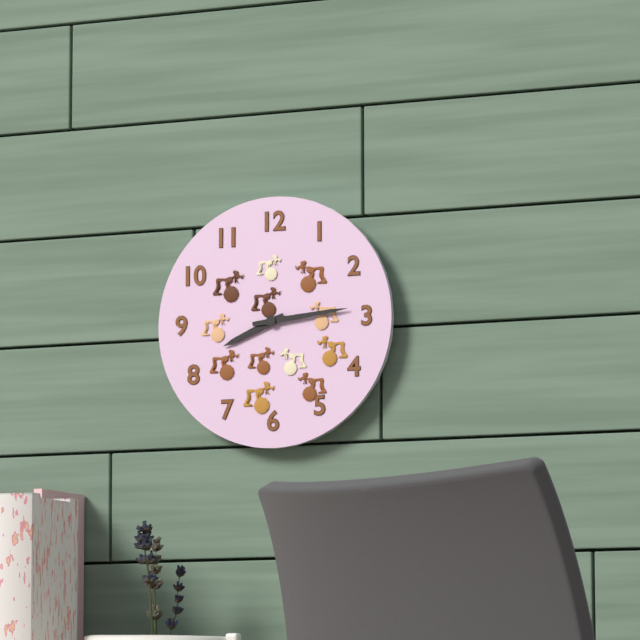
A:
8,14
